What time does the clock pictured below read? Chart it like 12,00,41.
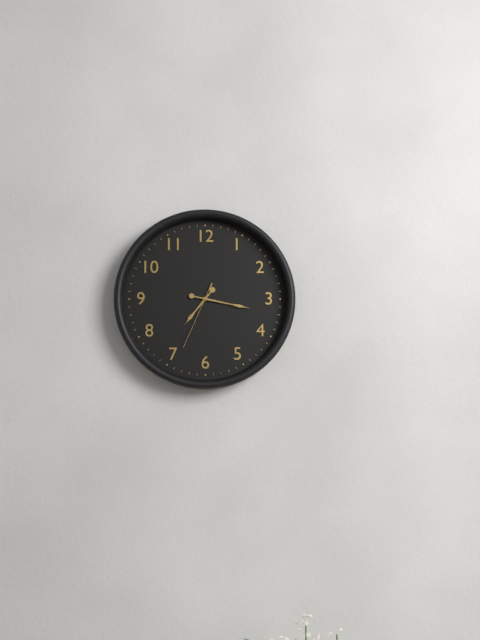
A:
7,17,34
